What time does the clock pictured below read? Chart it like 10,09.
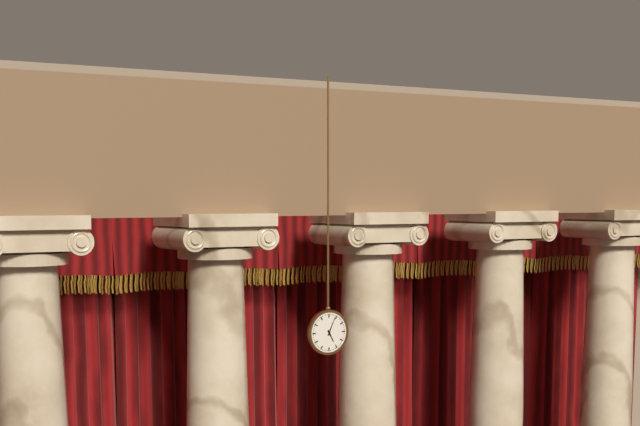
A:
5,04
